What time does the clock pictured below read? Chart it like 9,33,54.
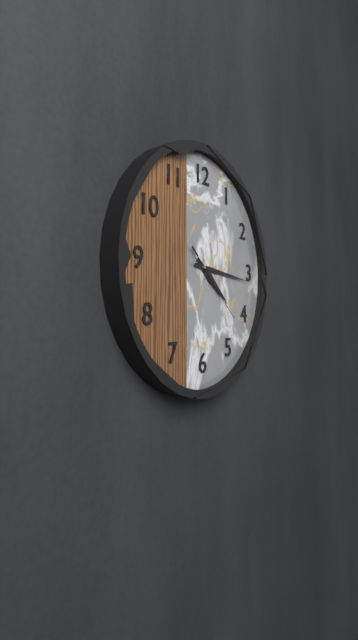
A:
4,16,22
